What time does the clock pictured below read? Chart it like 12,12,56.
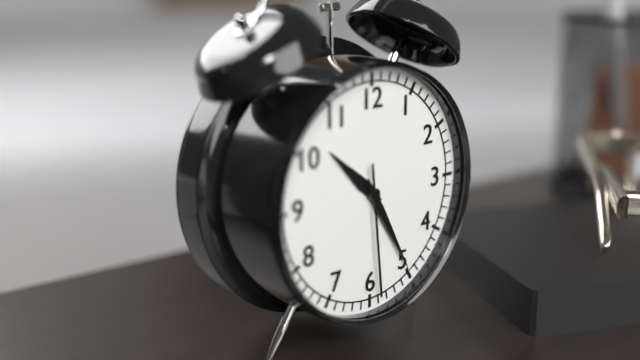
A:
10,25,29
